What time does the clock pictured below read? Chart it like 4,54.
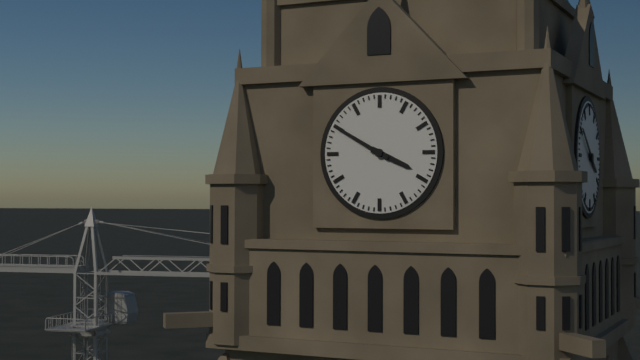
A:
3,50
